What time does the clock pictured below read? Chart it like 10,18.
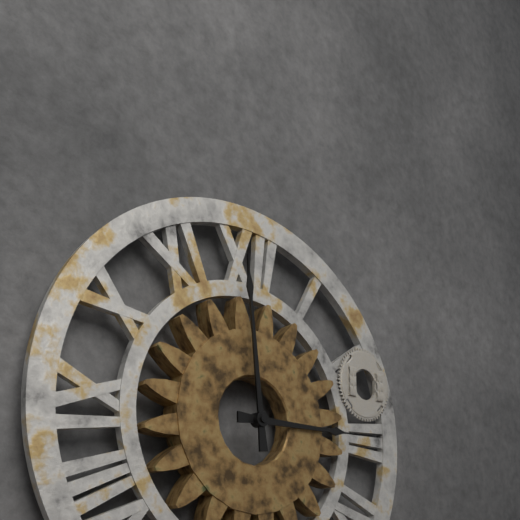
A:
2,59
